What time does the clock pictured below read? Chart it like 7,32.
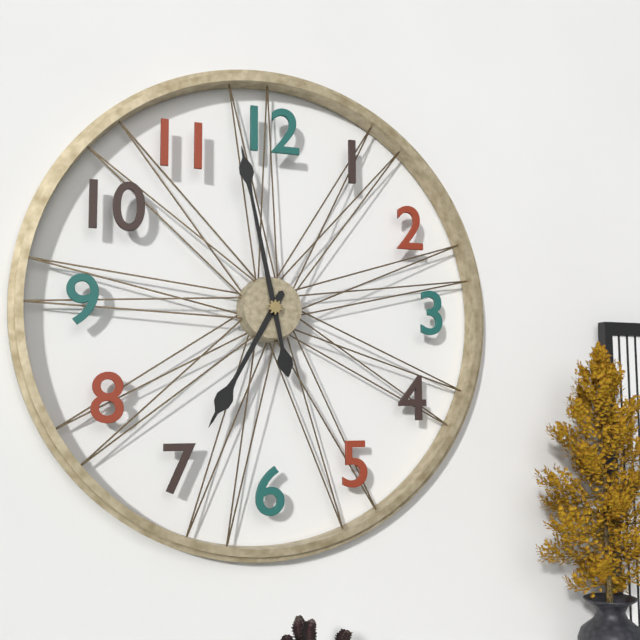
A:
6,58
